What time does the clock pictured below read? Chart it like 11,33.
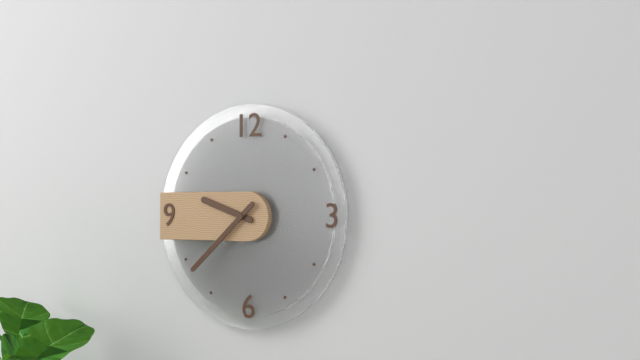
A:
9,38
